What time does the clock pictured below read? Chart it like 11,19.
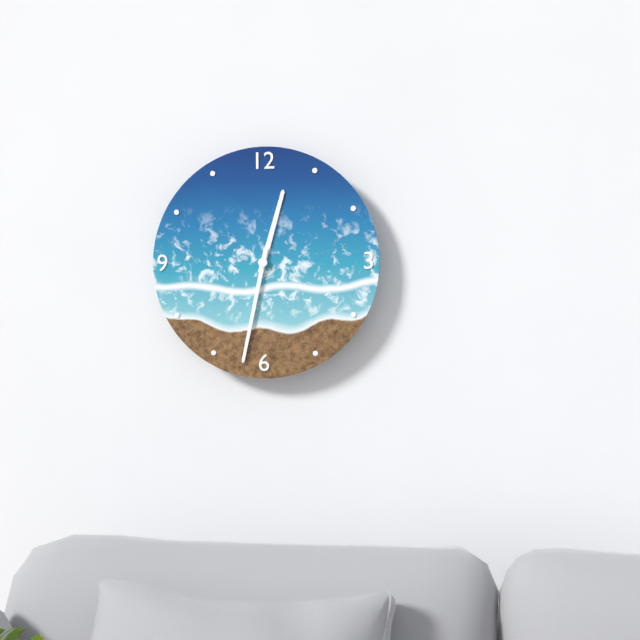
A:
12,32
